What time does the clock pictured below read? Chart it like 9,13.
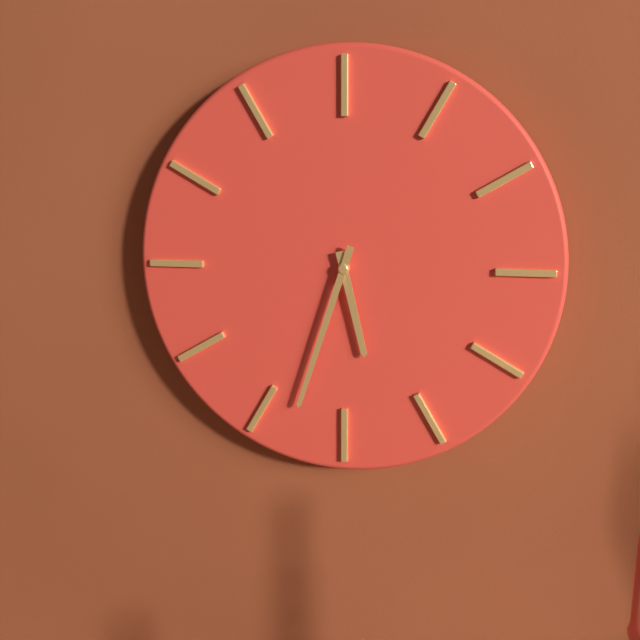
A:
5,33
